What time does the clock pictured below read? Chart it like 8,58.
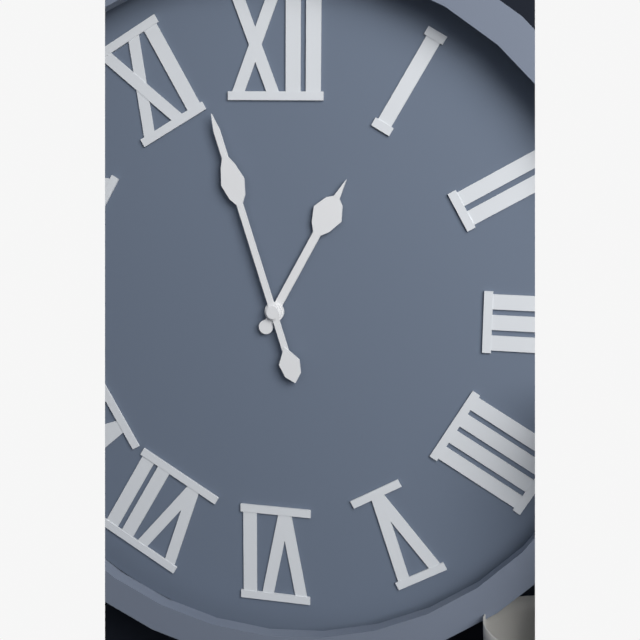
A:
12,57
